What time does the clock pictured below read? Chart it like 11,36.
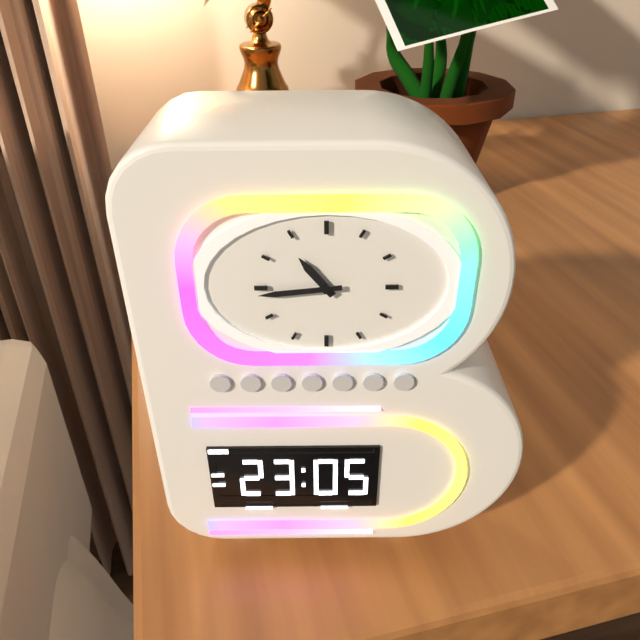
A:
10,44
